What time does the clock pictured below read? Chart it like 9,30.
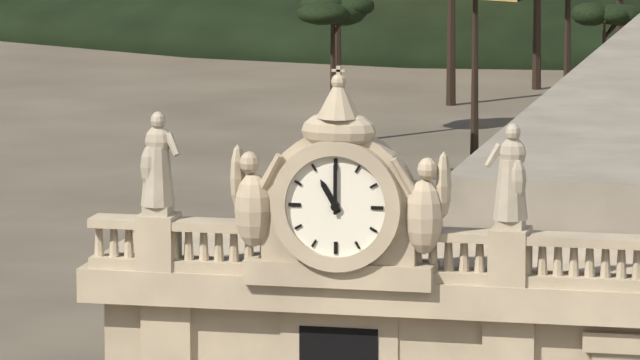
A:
11,00
